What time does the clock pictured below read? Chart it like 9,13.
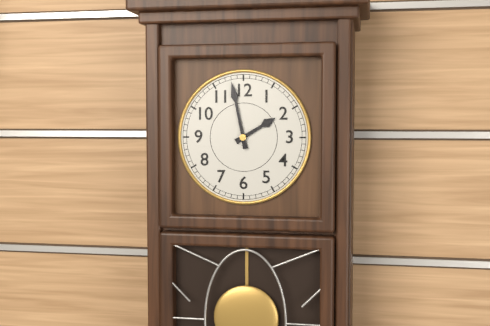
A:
1,58
